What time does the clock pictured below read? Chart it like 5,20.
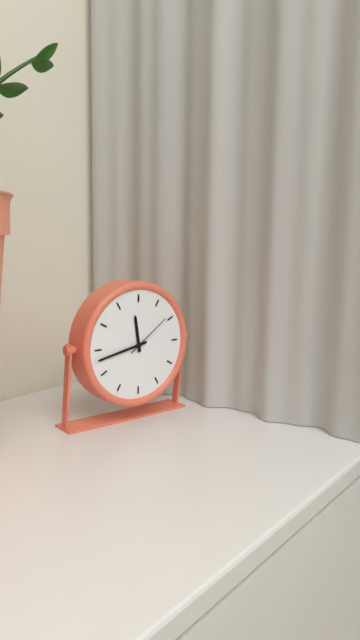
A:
11,43
